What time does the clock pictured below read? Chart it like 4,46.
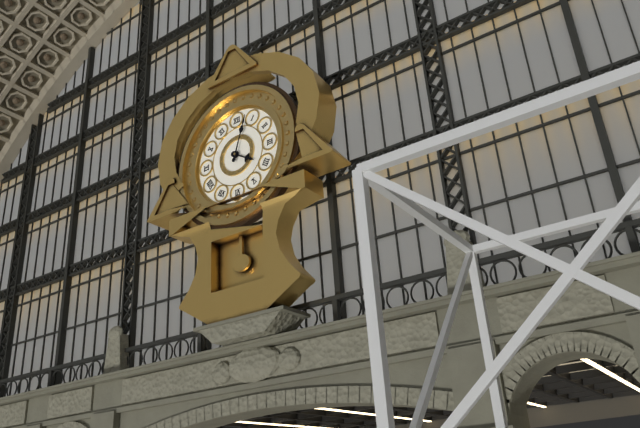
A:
4,03
